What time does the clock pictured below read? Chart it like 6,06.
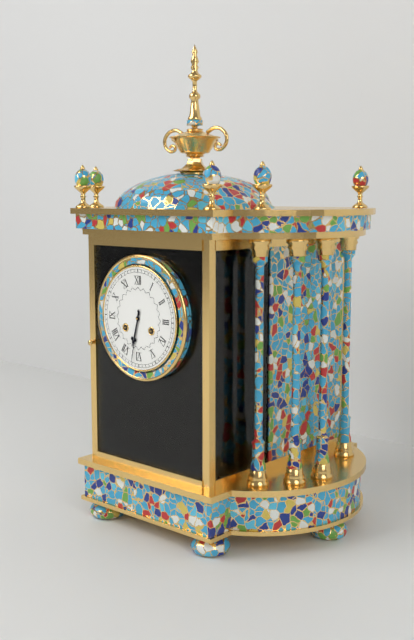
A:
6,32
